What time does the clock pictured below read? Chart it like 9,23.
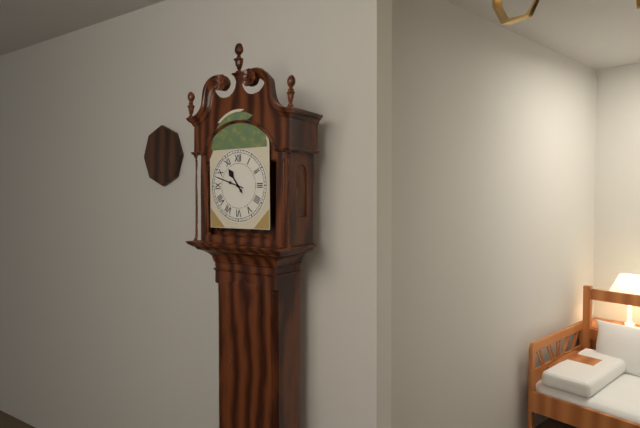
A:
10,48
